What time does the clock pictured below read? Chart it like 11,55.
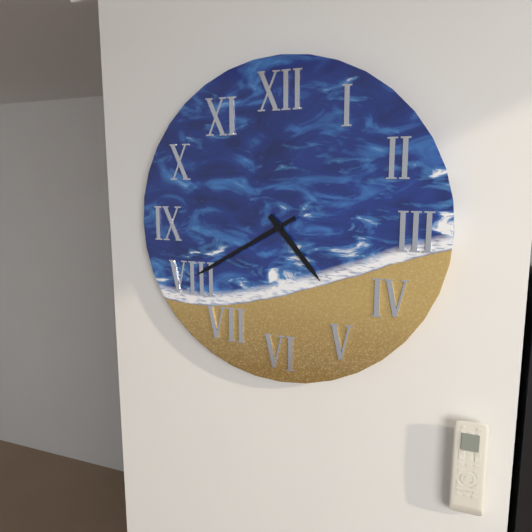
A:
4,40
